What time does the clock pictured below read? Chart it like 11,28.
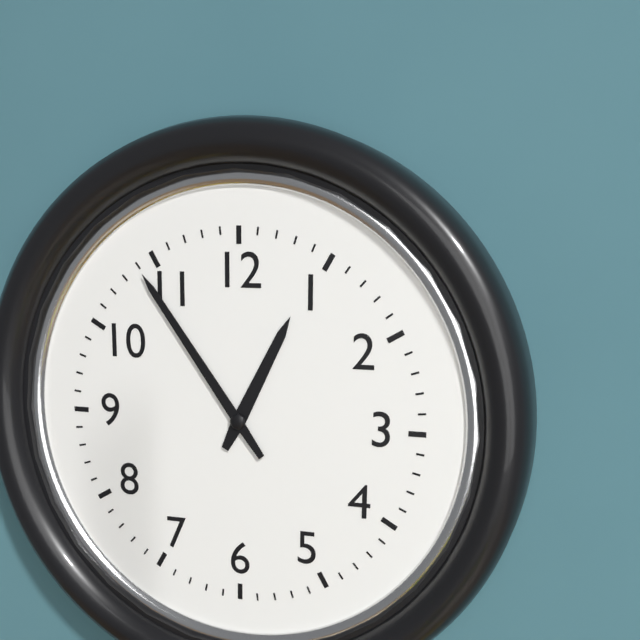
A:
12,54
